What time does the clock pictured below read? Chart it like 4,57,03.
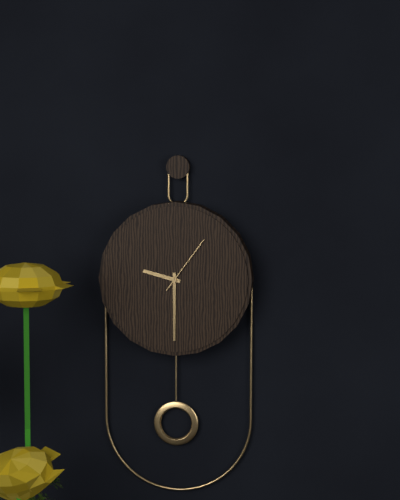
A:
9,30,06
